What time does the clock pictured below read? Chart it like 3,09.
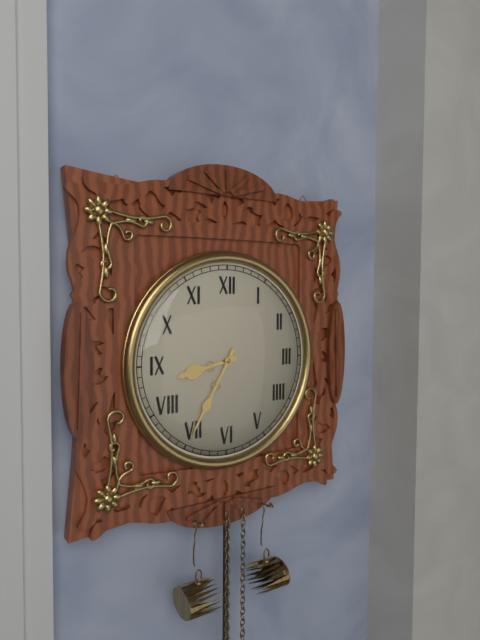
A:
8,35
